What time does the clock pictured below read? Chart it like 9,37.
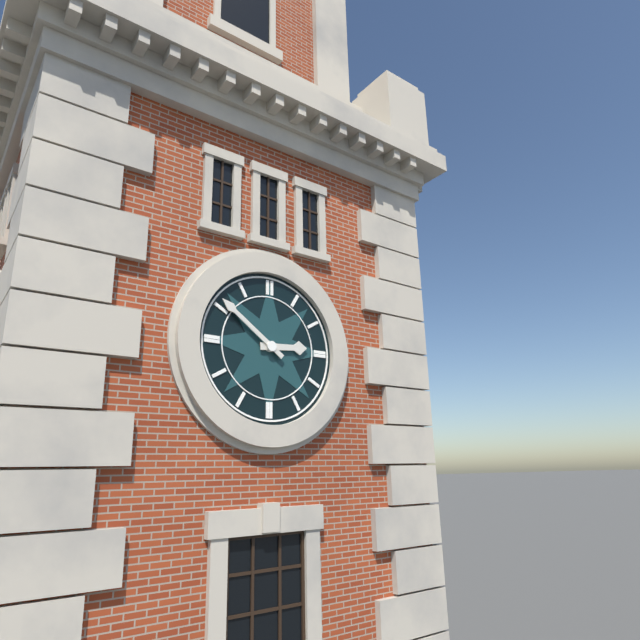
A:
2,51
